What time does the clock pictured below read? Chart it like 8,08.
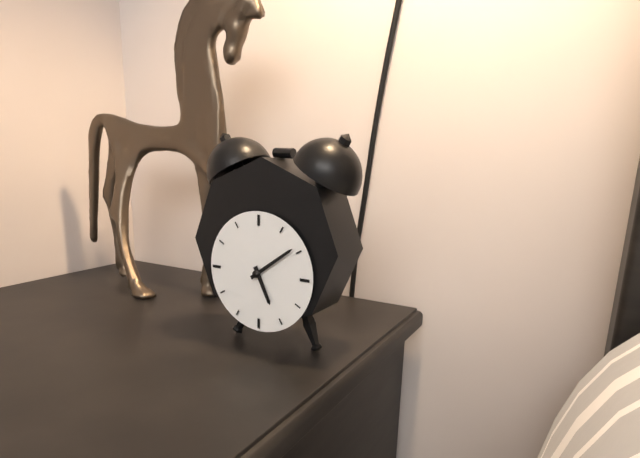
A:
5,09
